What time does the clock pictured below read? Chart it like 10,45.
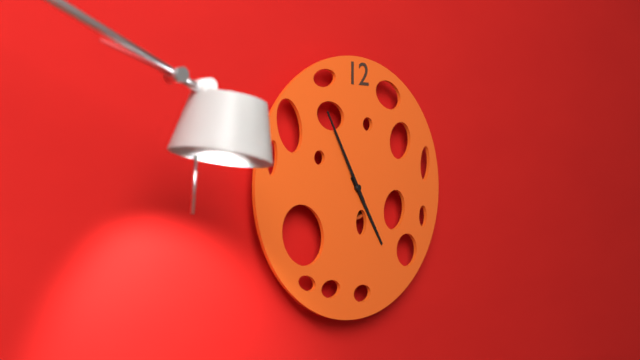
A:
4,55
